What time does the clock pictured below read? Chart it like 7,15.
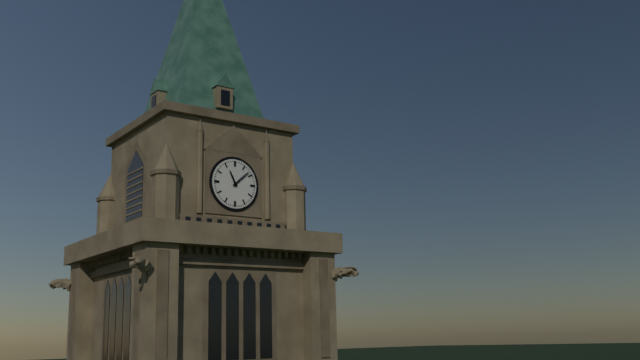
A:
11,08
